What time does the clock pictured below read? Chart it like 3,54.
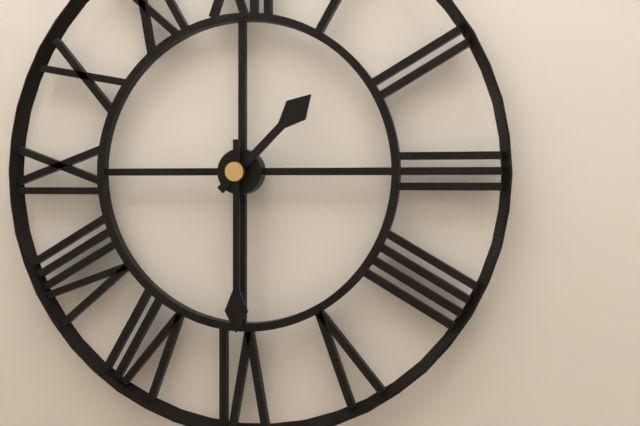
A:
1,30
